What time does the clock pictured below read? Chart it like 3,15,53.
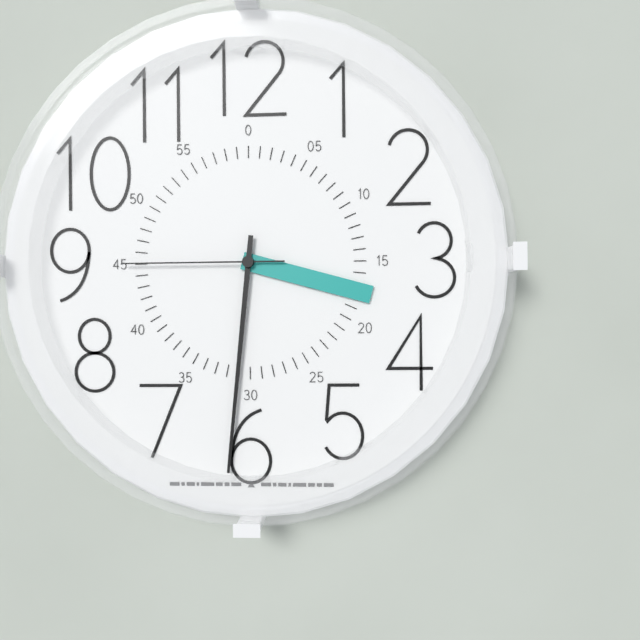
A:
3,31,45
